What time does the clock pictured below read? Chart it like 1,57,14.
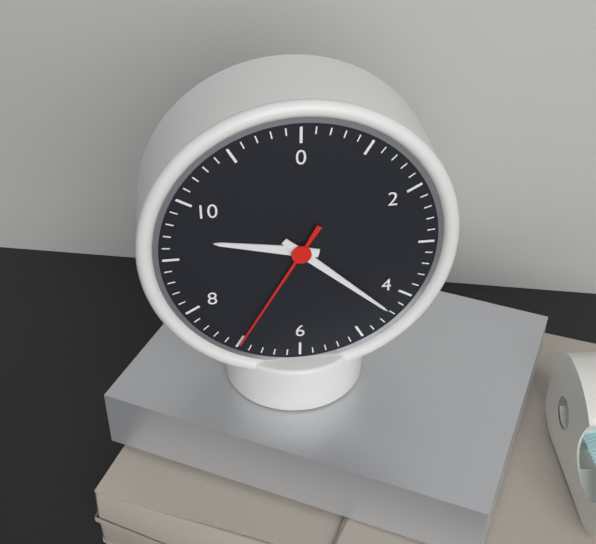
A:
9,22,35
